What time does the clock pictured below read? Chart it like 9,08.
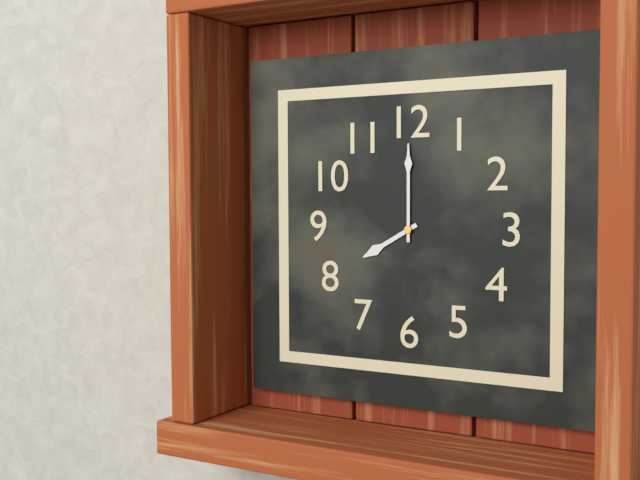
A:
8,00
